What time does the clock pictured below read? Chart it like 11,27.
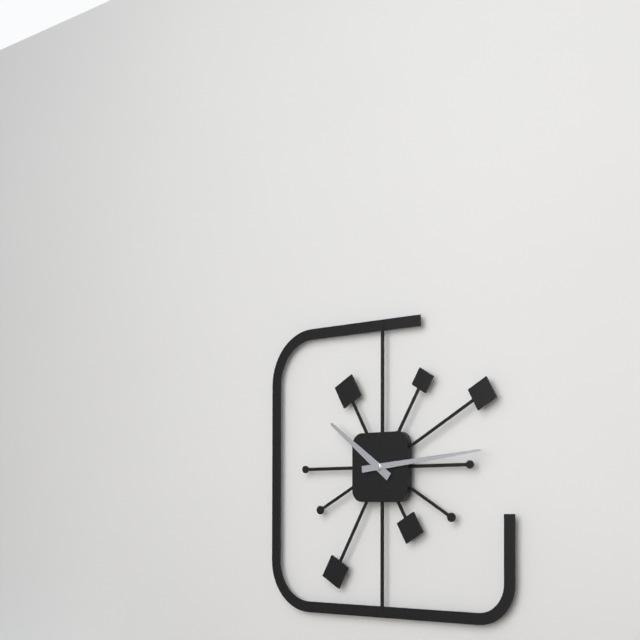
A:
10,14
